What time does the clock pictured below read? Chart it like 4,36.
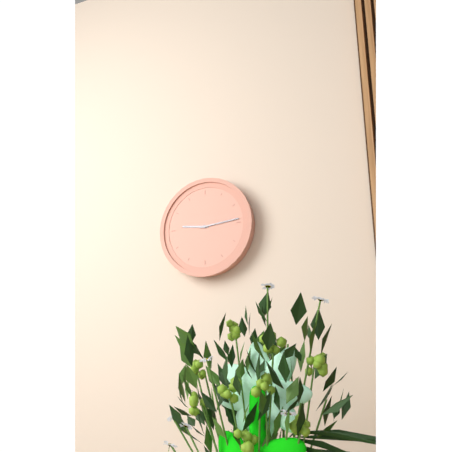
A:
9,14
